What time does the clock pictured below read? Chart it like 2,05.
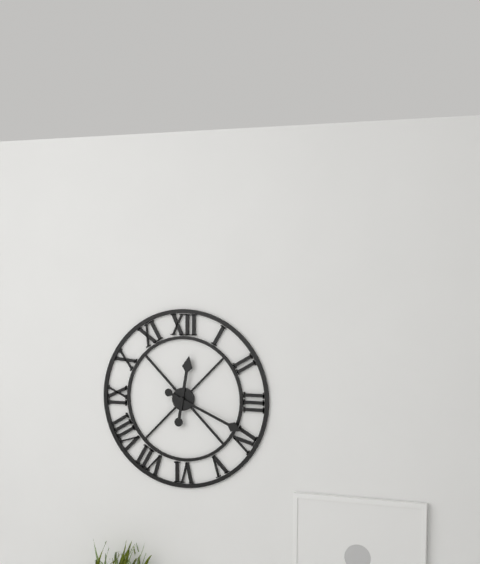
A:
12,19
